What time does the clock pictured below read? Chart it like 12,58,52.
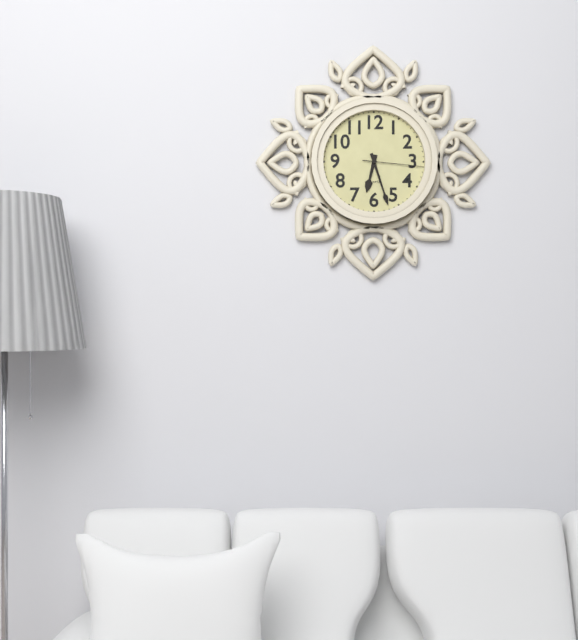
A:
6,27,16
